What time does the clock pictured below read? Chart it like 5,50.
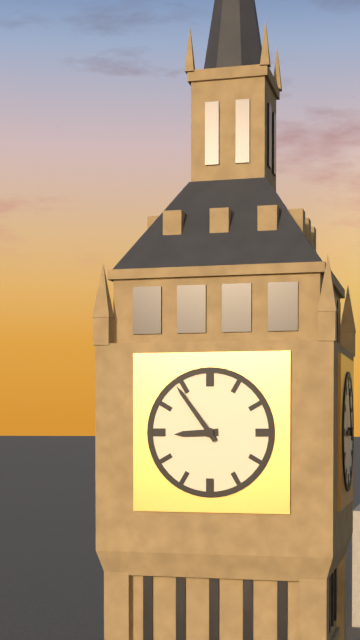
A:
8,54
